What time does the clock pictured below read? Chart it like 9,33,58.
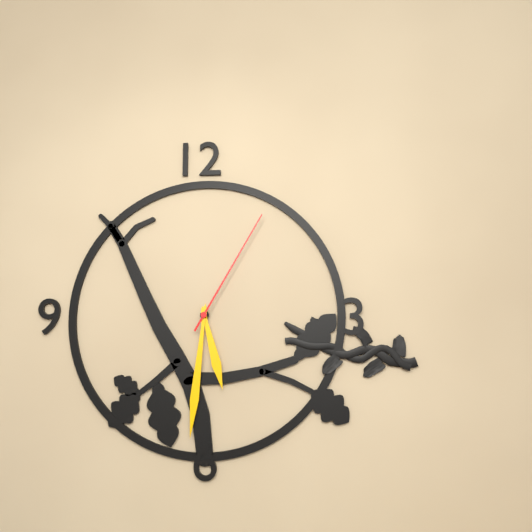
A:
5,31,05
